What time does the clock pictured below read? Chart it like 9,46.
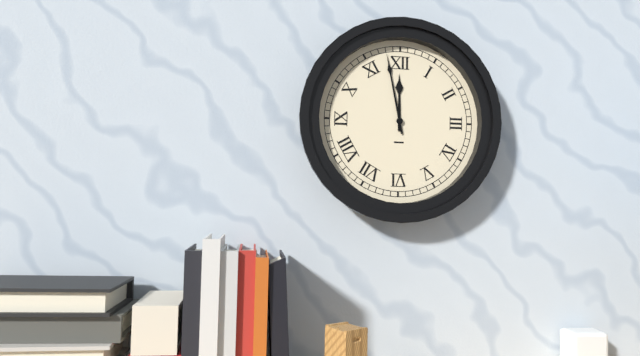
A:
11,58
